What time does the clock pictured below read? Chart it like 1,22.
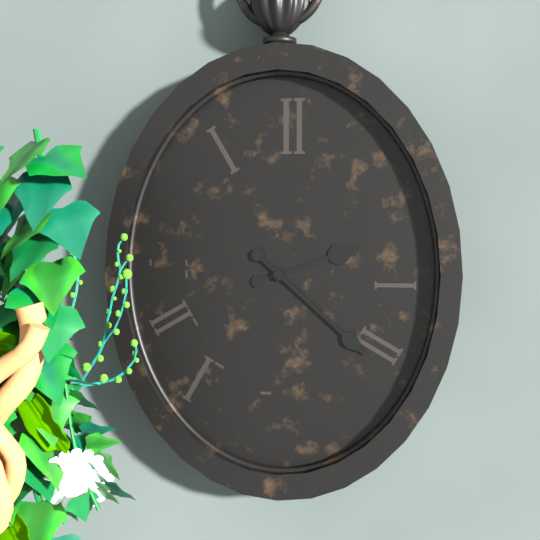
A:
2,22
